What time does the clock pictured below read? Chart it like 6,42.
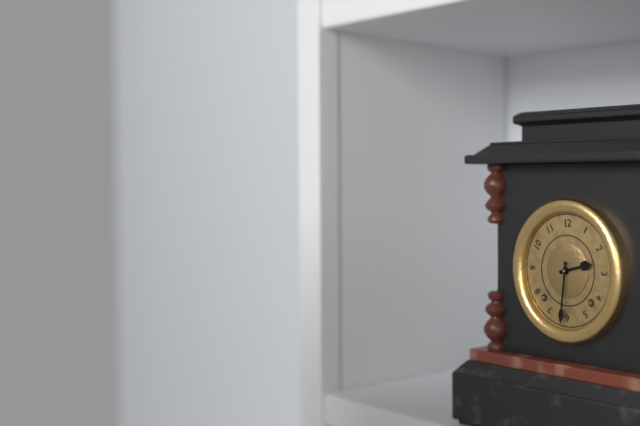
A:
2,31
